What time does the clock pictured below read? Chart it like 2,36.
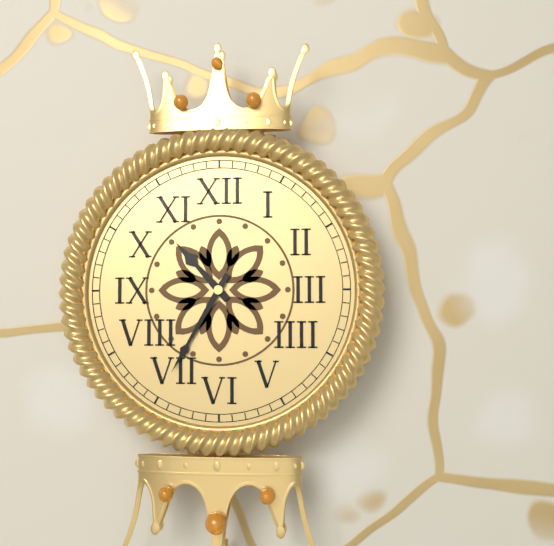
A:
10,35
